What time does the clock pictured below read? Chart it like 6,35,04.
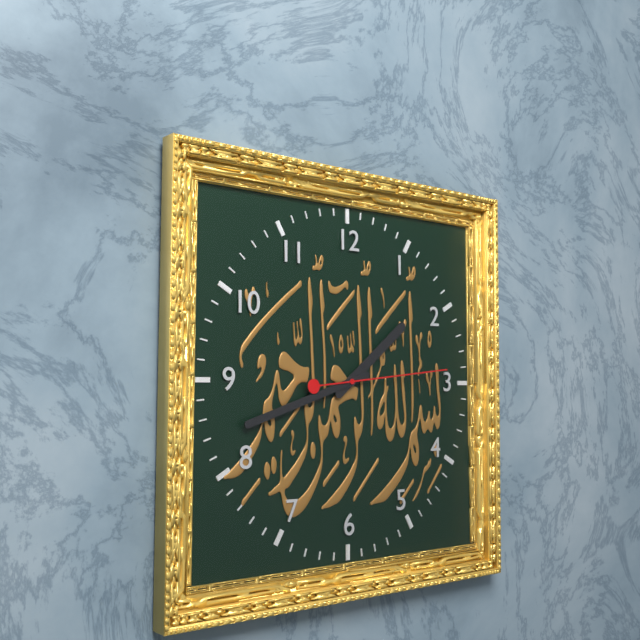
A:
1,42,14
